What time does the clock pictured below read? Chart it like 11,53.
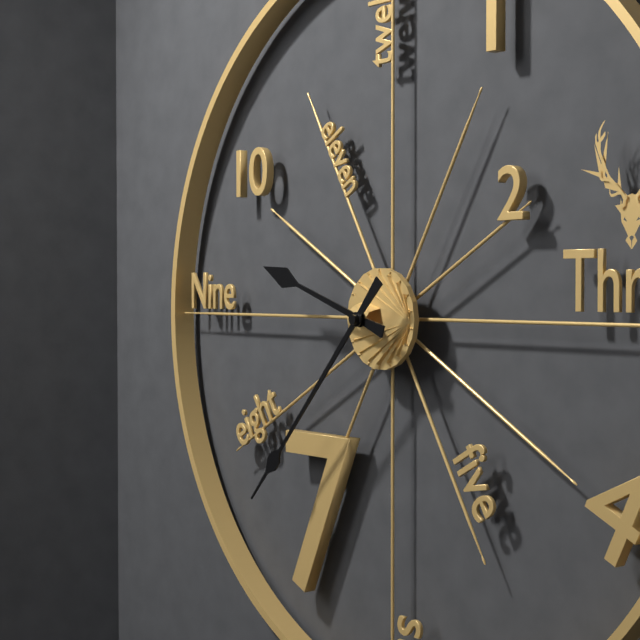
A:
9,37
